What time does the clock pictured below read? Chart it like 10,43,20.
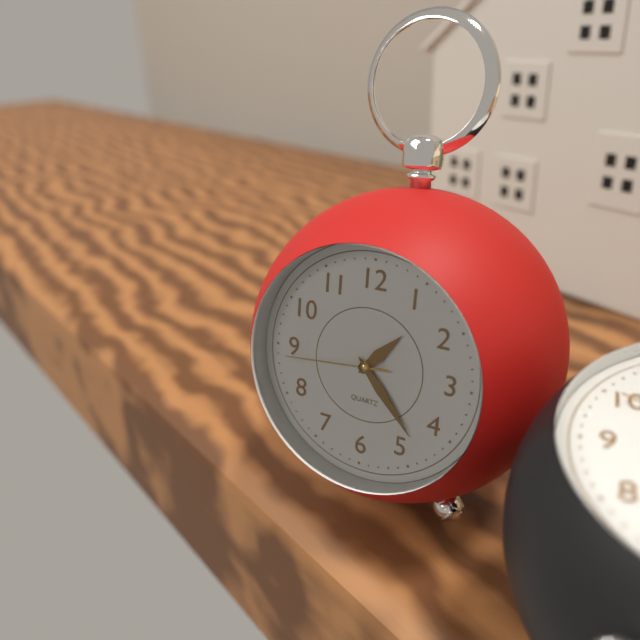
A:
1,23,44
